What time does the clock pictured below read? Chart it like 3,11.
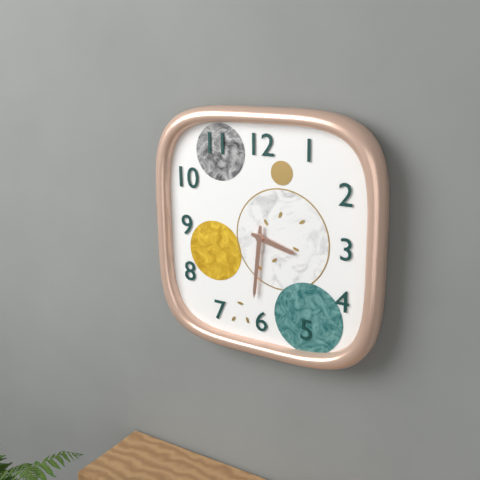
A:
3,31
